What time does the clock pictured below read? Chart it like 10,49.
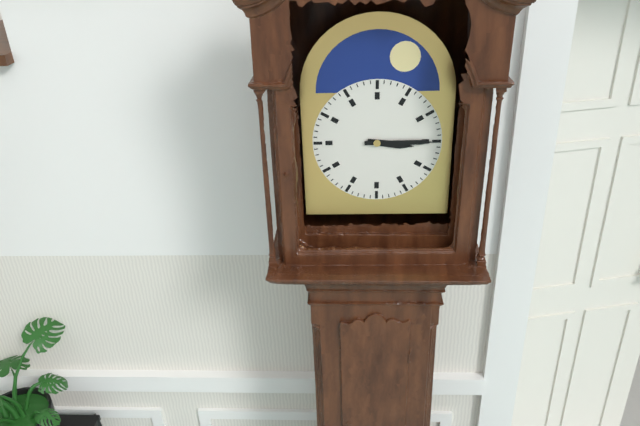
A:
3,15
